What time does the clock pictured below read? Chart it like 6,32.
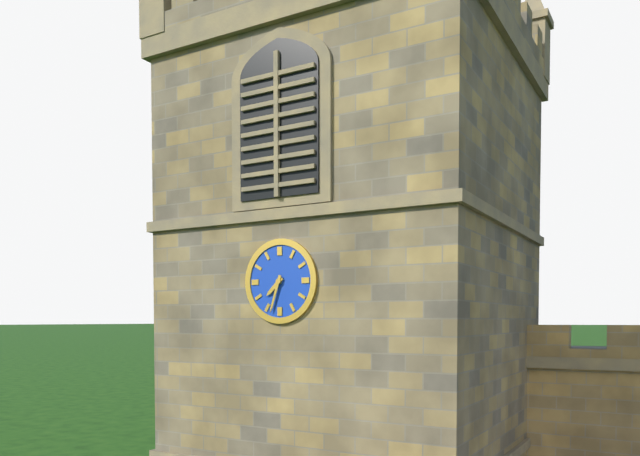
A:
7,33
